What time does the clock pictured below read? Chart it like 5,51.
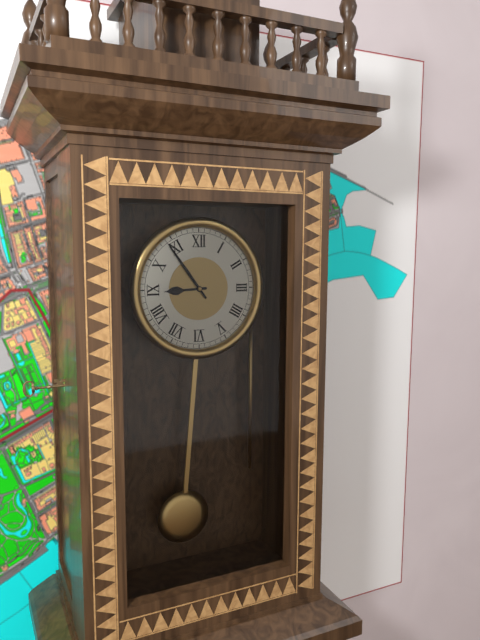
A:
8,54
